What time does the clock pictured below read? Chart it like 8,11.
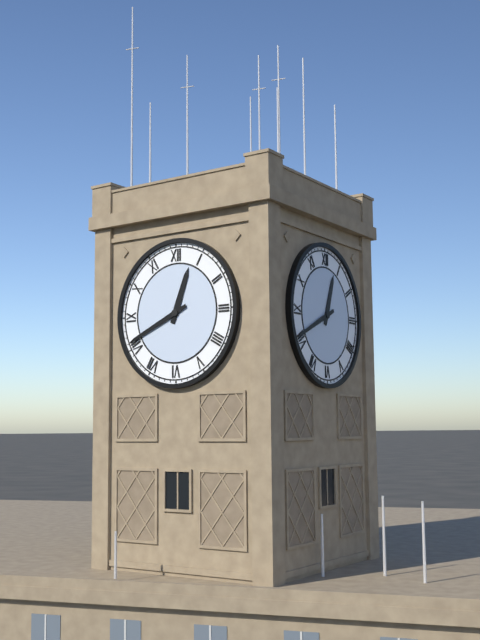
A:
12,41
